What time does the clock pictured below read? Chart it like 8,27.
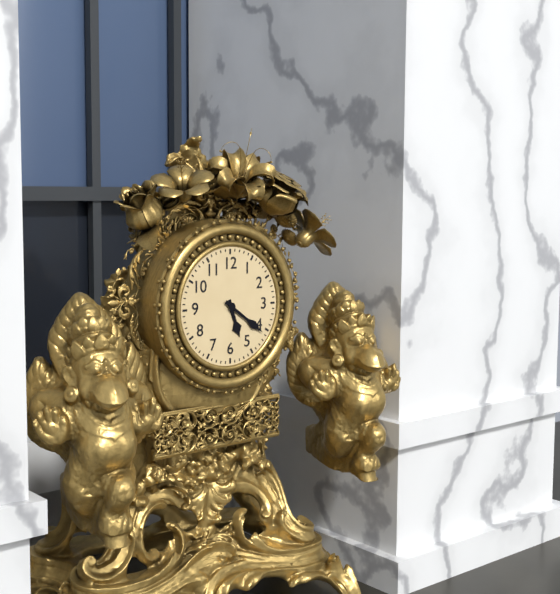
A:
5,21
